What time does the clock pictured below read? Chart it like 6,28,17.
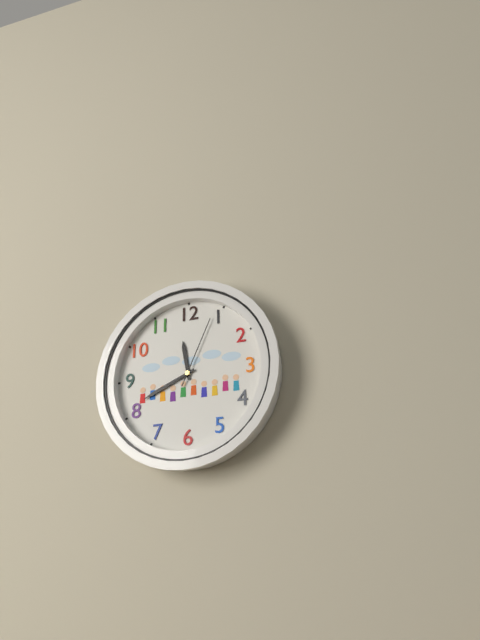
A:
11,41,04
